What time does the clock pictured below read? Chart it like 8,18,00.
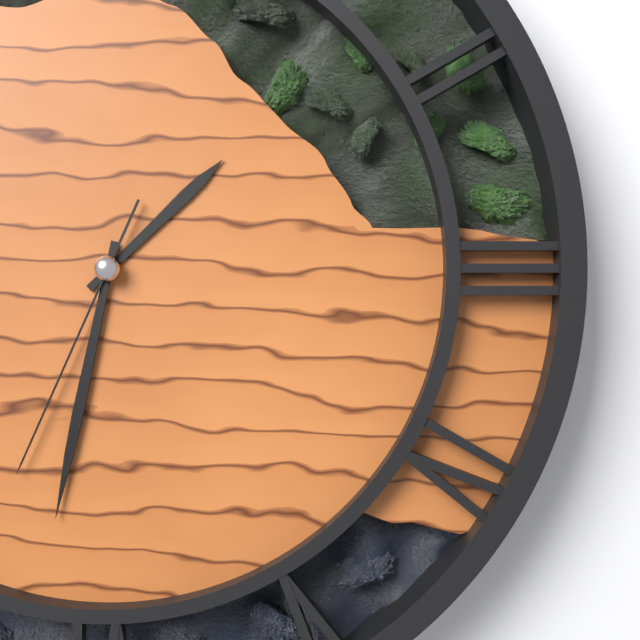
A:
1,32,34
